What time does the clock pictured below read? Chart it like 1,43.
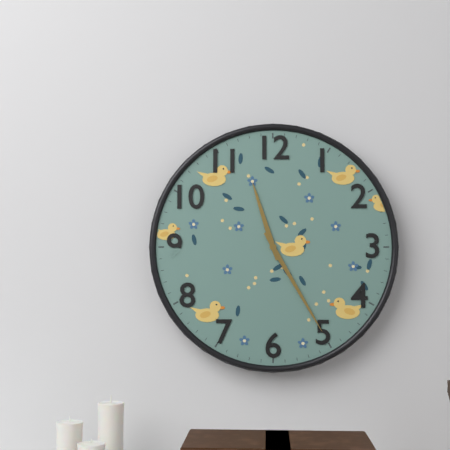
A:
11,25
